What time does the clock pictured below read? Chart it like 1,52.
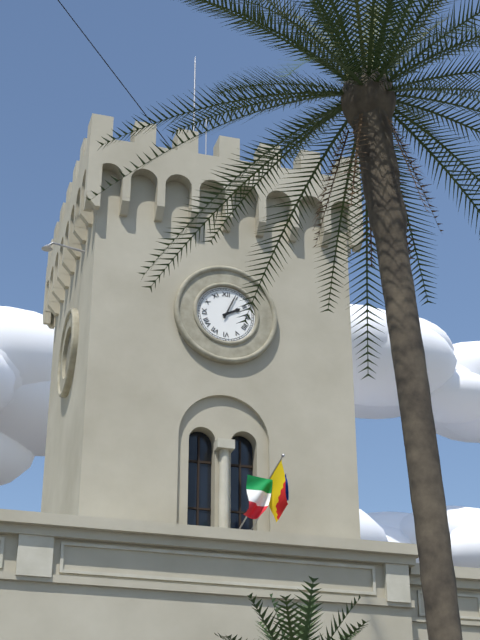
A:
2,04
